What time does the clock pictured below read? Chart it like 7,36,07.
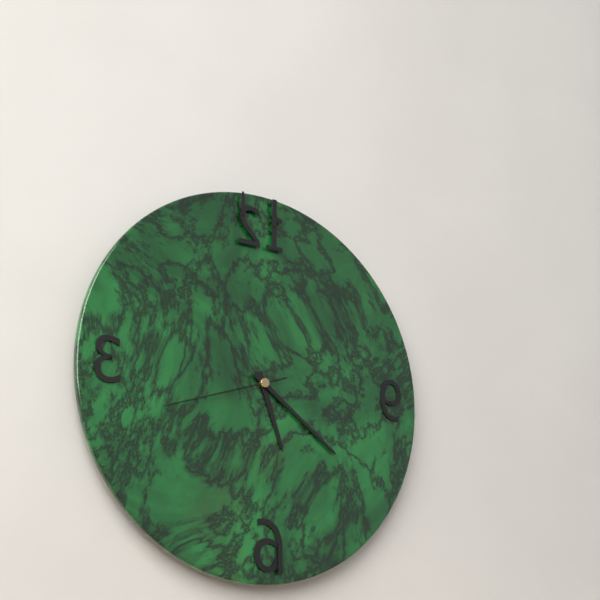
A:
5,21,42
